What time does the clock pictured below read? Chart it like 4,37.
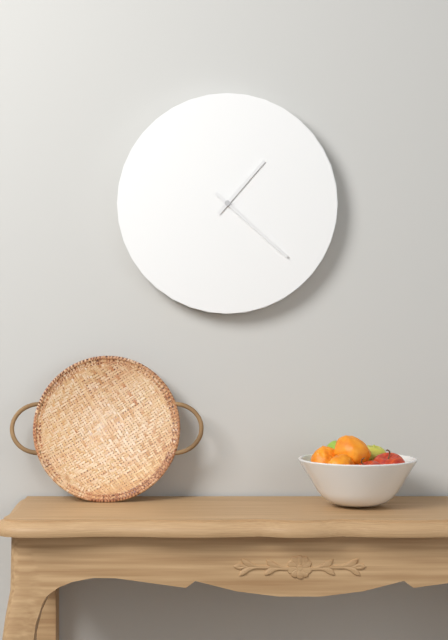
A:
1,22
